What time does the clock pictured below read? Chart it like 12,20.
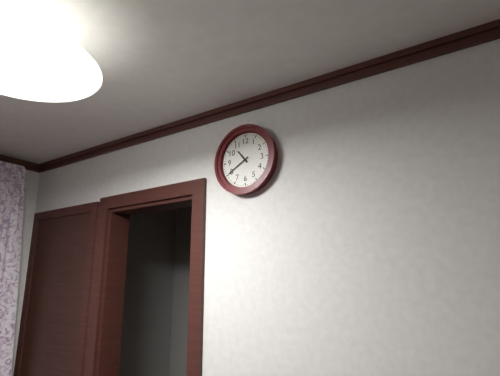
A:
10,40
